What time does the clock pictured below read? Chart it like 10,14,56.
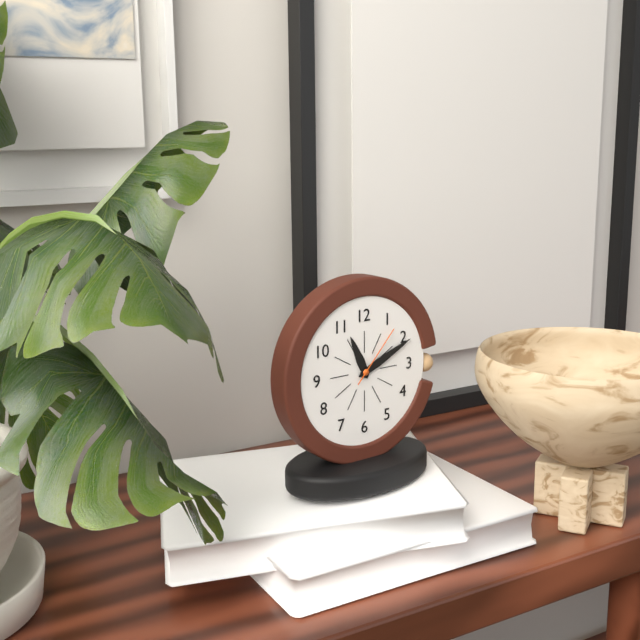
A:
11,11,07
